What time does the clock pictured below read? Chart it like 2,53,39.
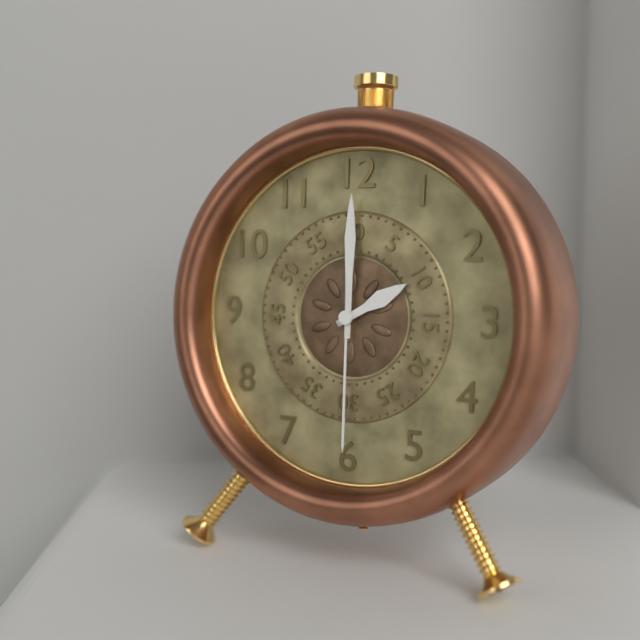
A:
2,00,30
